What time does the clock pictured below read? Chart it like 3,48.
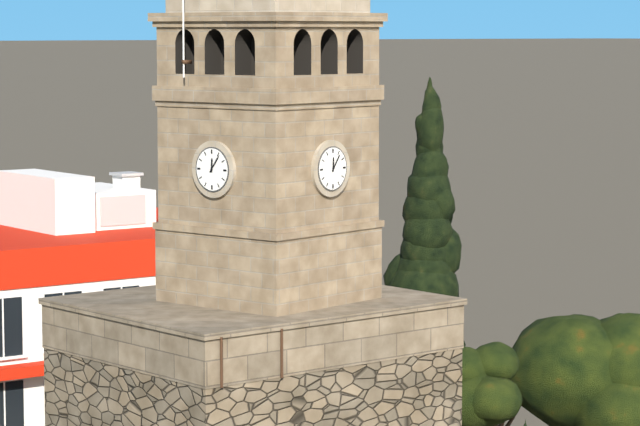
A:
12,06
